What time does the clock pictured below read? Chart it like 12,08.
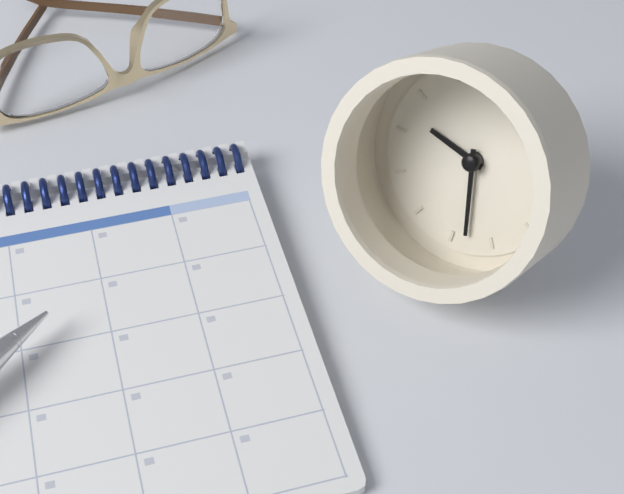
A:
9,28
